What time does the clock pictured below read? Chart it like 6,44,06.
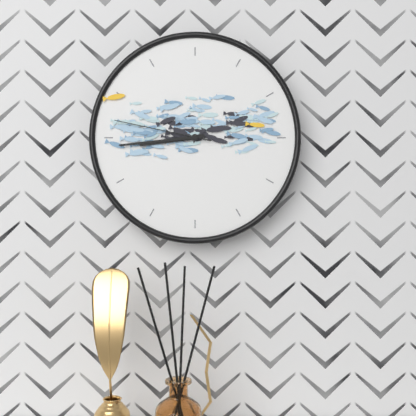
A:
8,44,47
